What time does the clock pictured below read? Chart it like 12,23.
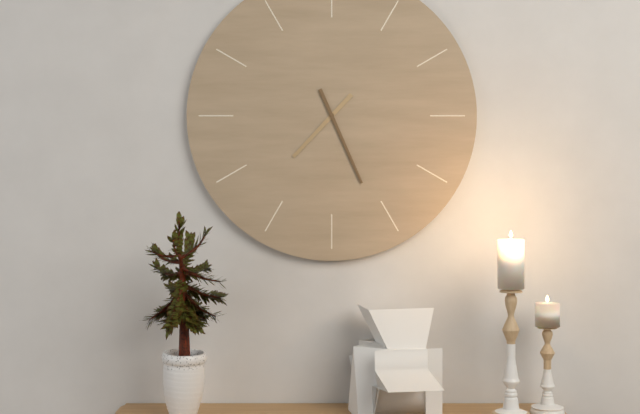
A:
7,26
